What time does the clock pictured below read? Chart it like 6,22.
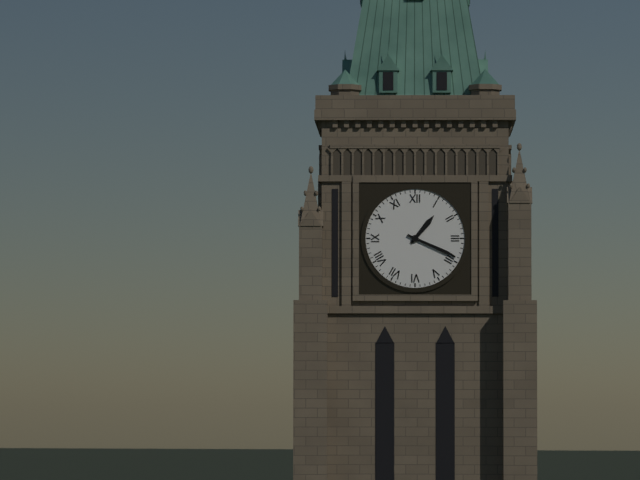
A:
1,19
